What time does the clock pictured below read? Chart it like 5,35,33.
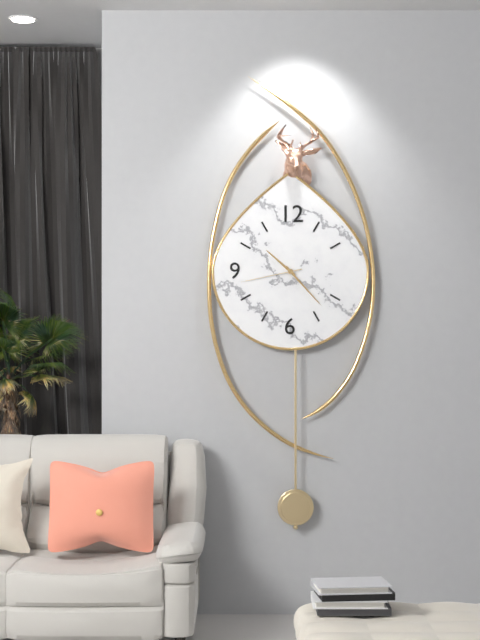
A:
10,23,43
